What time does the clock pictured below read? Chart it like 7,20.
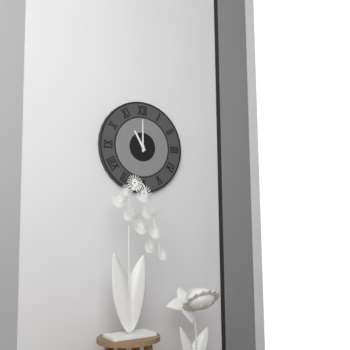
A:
11,00
